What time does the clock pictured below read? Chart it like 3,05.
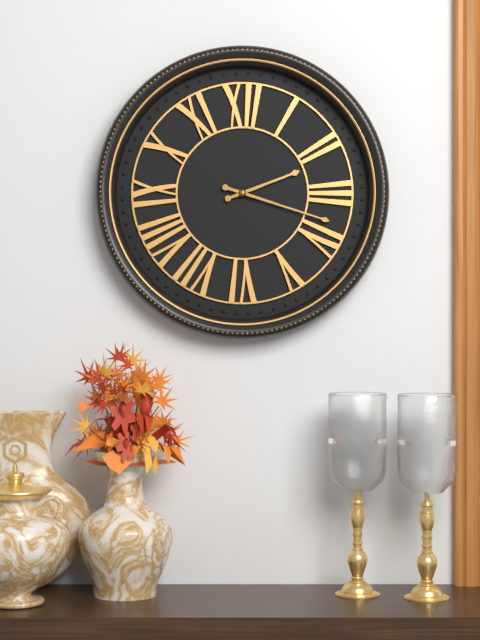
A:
2,18
